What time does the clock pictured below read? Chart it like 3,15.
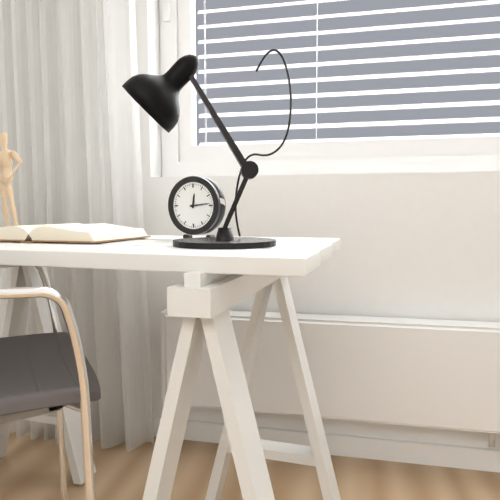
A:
12,14
